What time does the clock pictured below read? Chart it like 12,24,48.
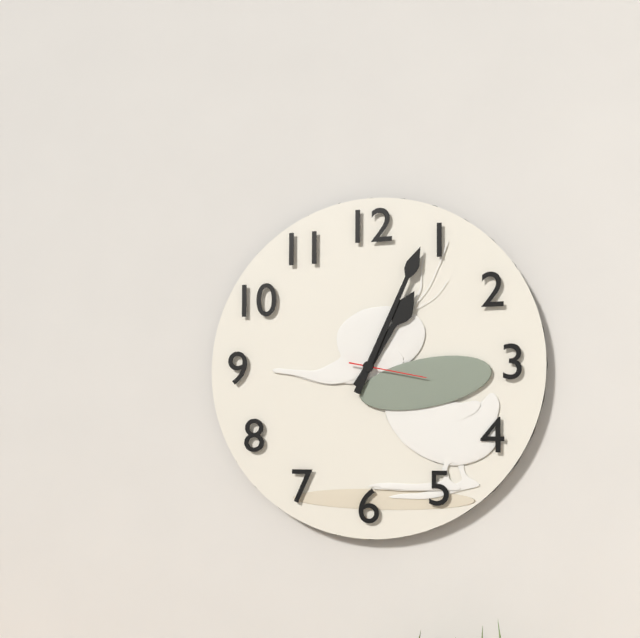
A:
1,04,17
